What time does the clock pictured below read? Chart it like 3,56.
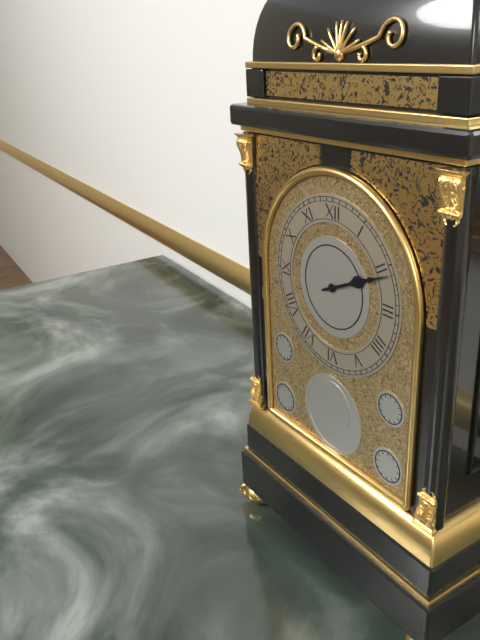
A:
2,11
